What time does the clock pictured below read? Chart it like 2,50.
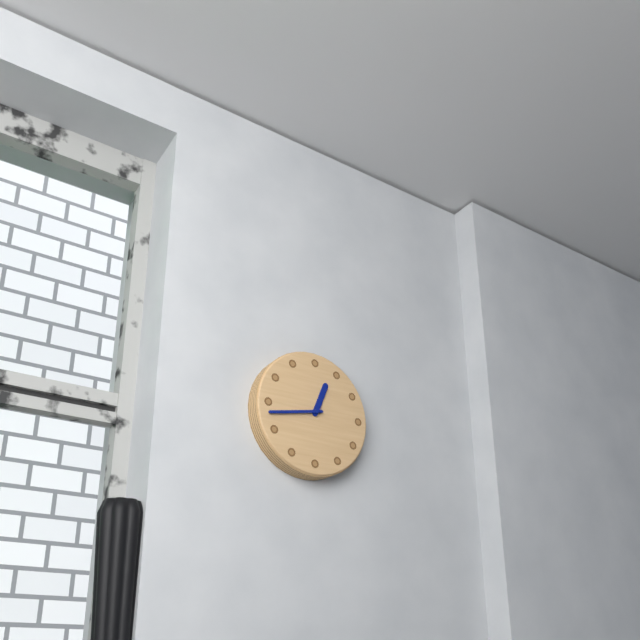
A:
12,43
